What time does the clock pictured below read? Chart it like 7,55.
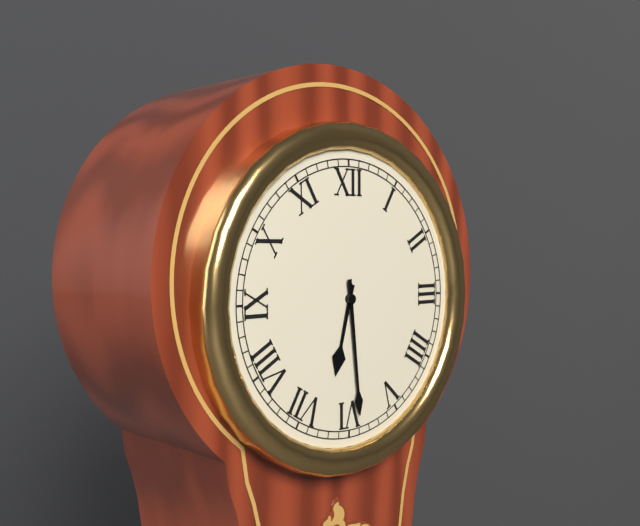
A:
6,29
